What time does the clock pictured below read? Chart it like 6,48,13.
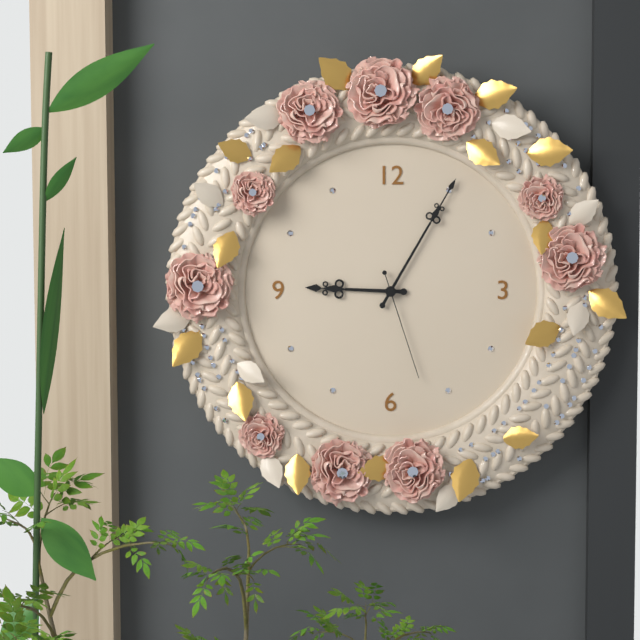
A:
9,05,27
